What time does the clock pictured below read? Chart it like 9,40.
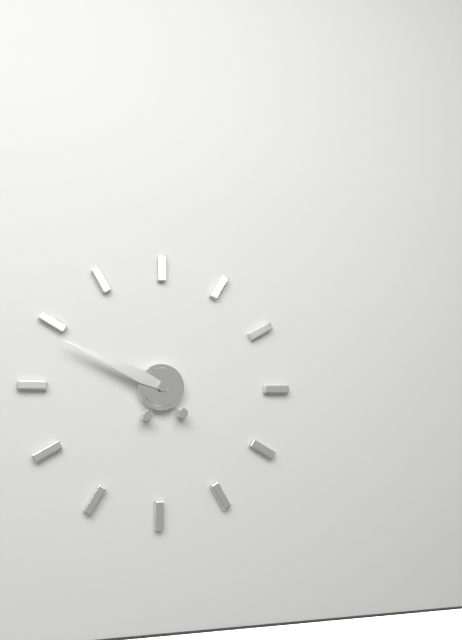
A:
9,49
